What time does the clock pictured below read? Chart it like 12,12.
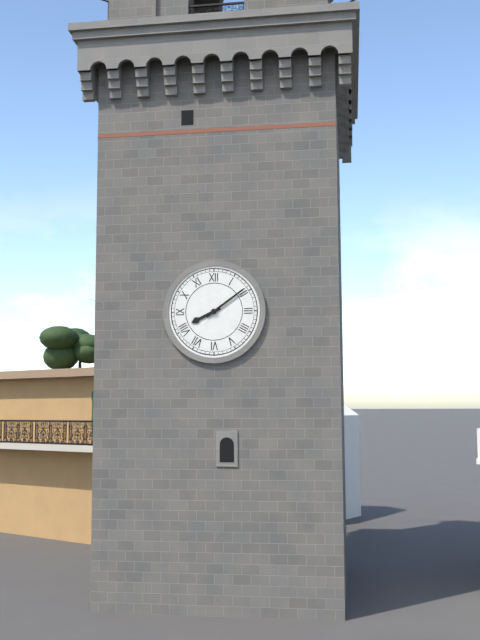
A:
8,09
